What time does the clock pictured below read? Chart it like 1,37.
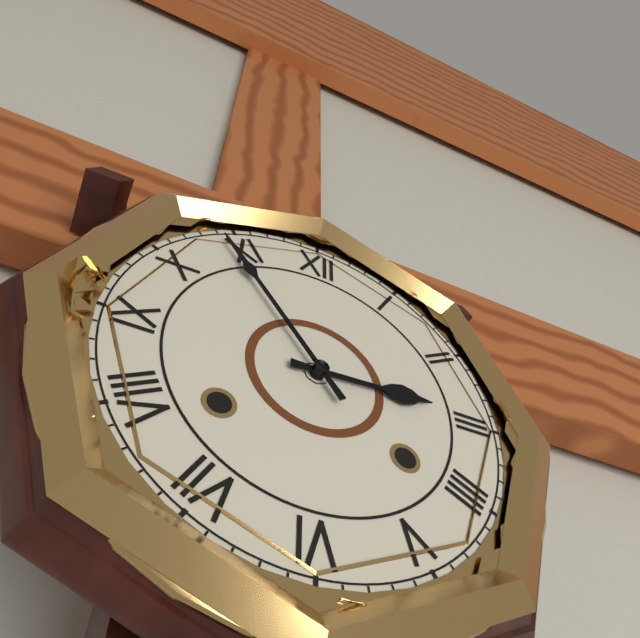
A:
2,54
